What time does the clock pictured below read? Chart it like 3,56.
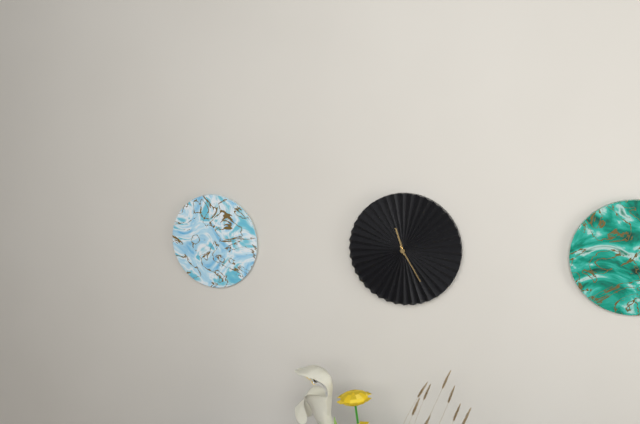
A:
11,25
